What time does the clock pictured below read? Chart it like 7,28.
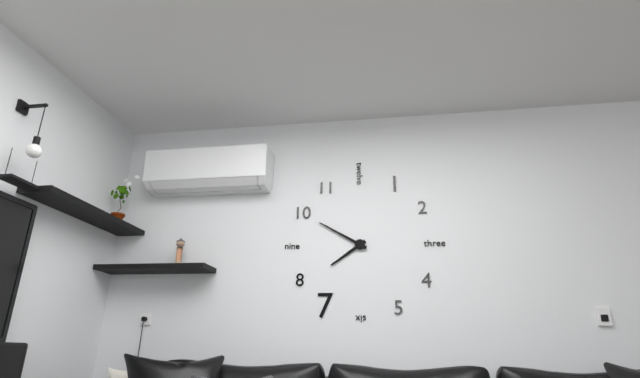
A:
7,50
